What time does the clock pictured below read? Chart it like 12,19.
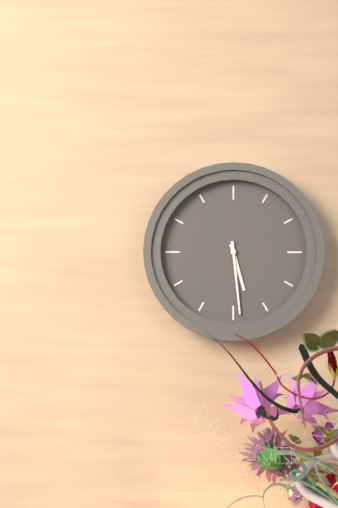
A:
5,29
